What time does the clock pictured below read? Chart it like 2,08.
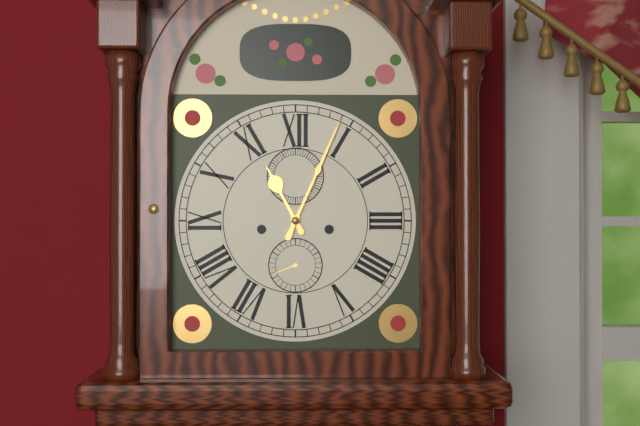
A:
11,04
